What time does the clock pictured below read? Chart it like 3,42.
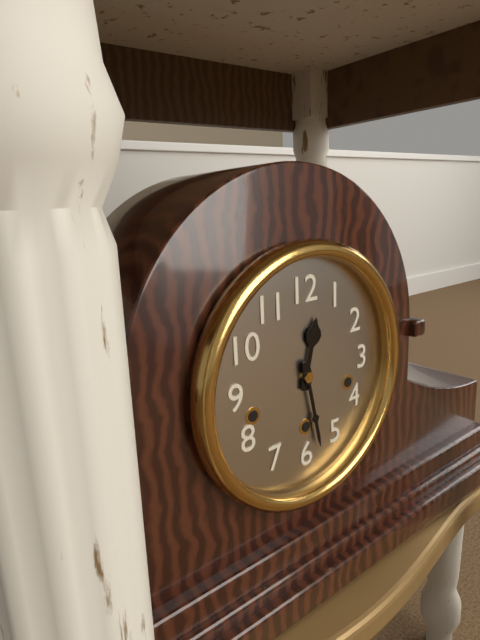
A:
12,28
